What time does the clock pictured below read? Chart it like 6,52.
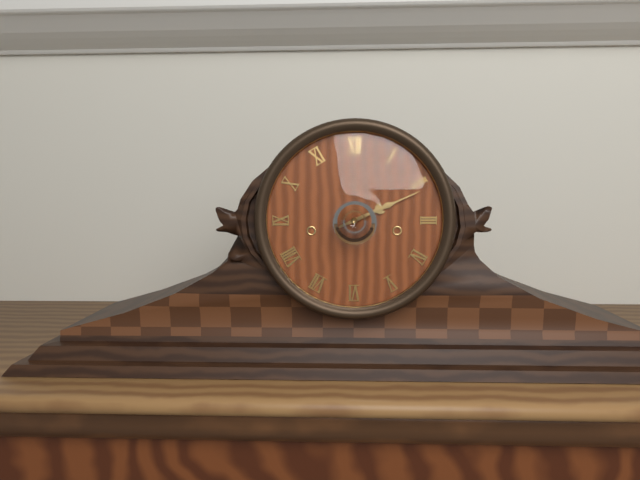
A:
2,11
